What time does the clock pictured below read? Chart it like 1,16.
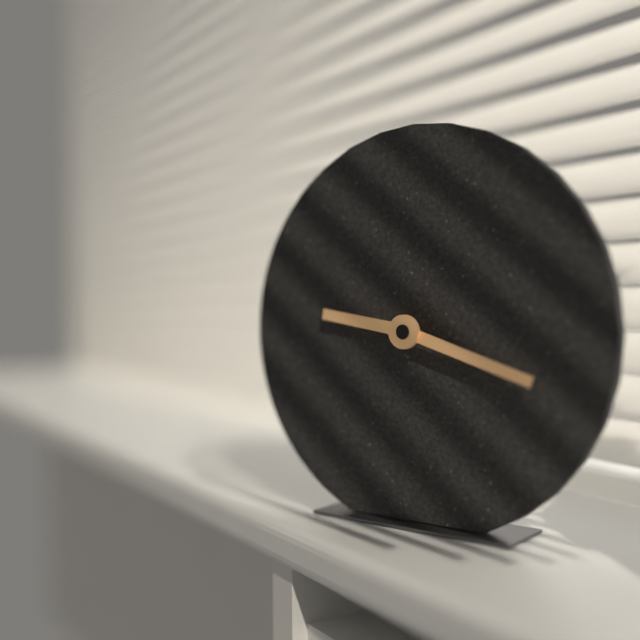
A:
9,18
